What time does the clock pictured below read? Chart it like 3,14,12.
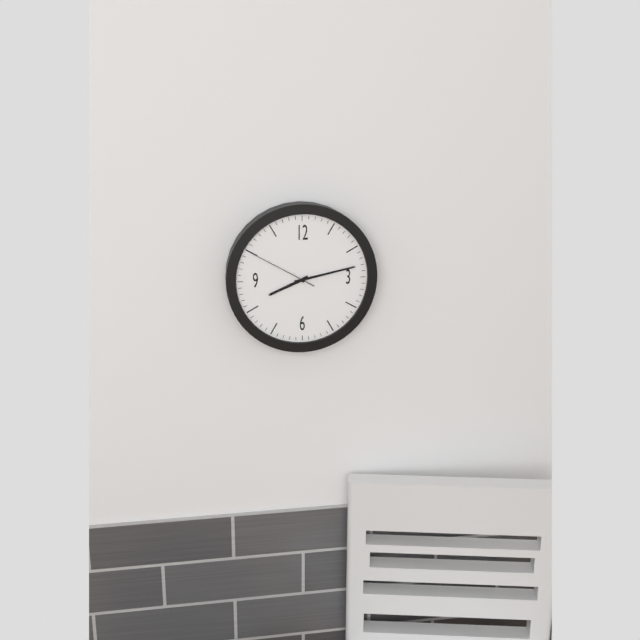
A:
8,13,50
